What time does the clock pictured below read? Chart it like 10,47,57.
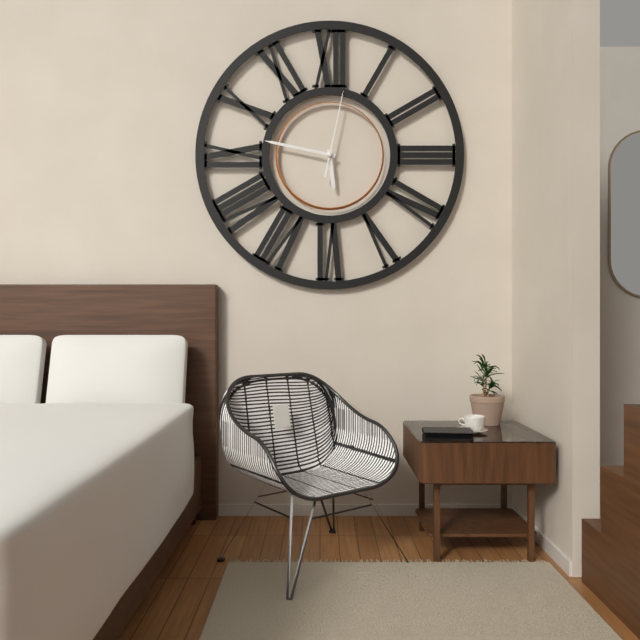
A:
5,47,02
